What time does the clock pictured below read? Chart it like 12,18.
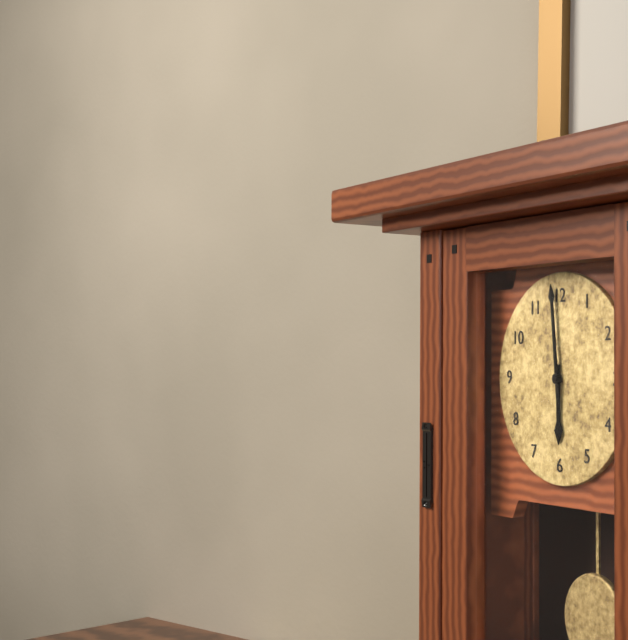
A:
5,59
